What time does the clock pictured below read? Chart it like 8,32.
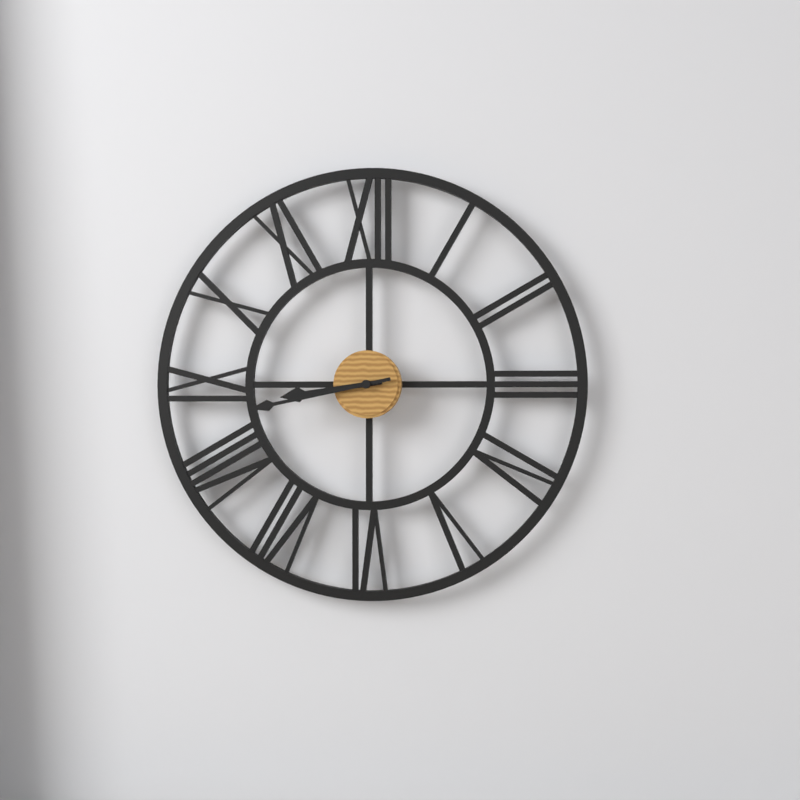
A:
8,43
